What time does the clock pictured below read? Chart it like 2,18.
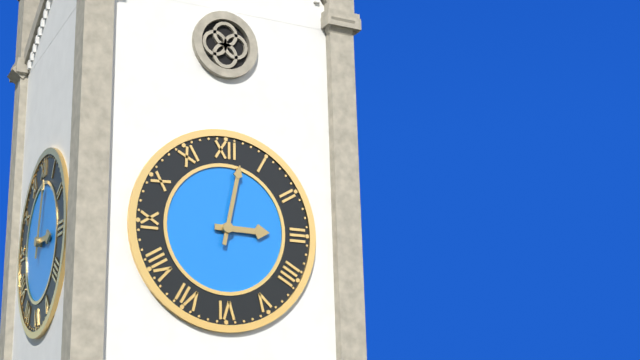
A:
3,02
